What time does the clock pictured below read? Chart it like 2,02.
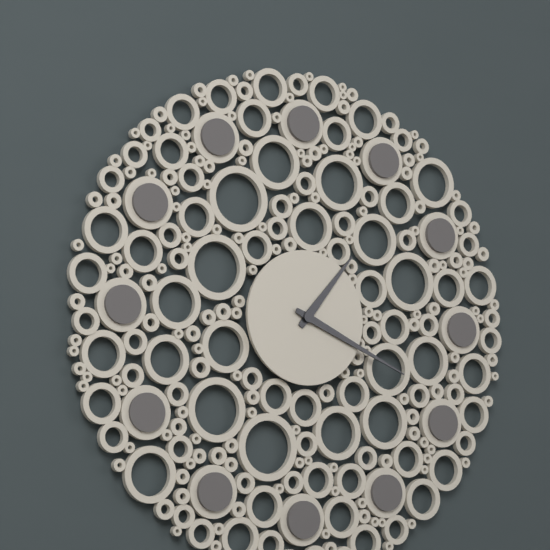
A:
1,19
